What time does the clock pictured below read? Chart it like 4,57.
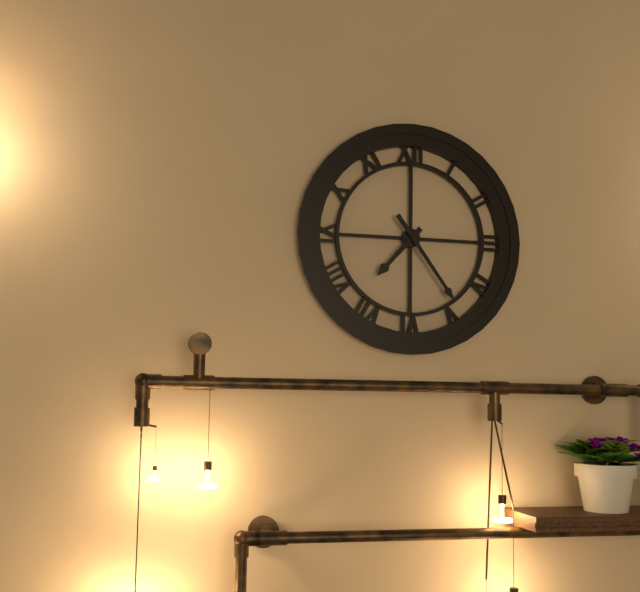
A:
7,24
